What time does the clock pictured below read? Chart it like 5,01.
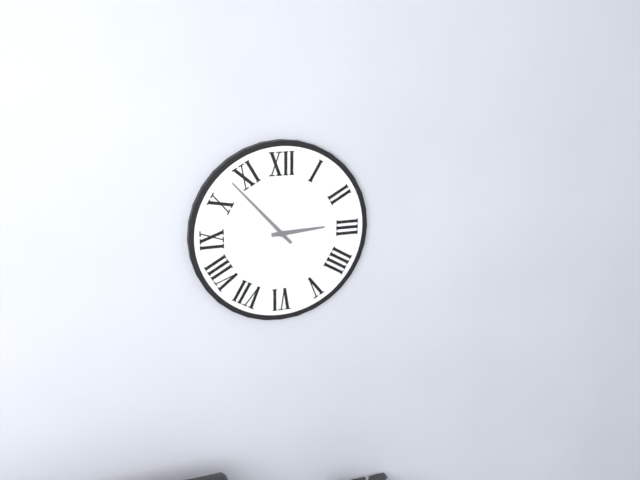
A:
2,53
